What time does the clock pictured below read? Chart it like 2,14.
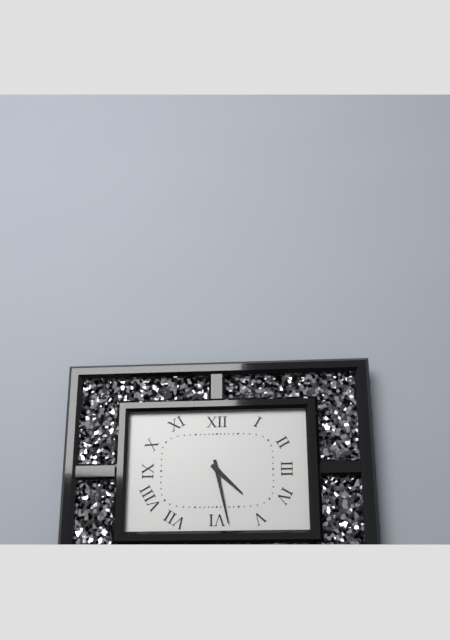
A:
4,28
